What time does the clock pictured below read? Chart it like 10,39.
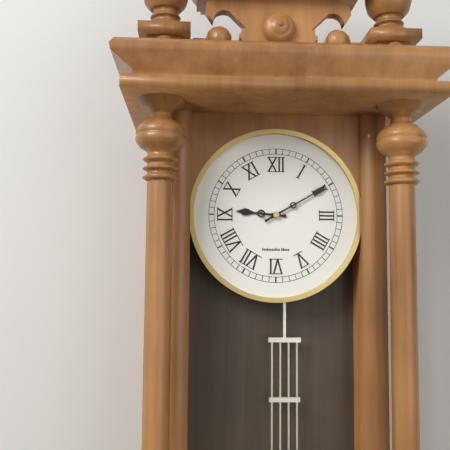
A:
9,10
